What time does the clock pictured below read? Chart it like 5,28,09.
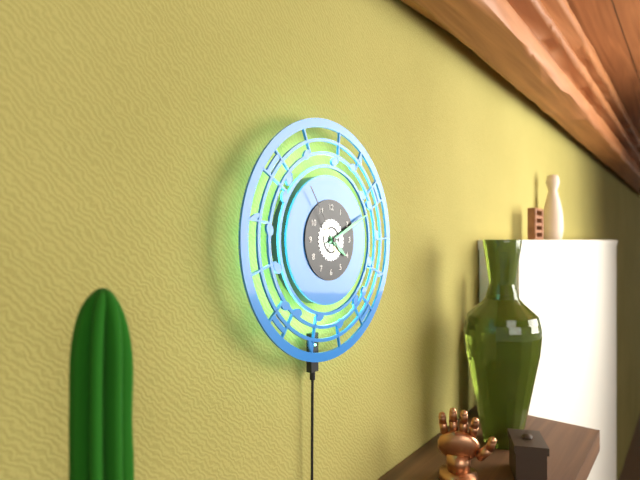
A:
4,11,54
